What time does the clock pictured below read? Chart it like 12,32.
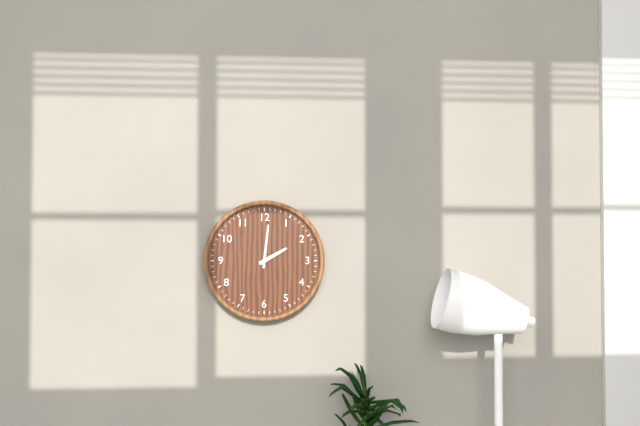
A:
2,01
